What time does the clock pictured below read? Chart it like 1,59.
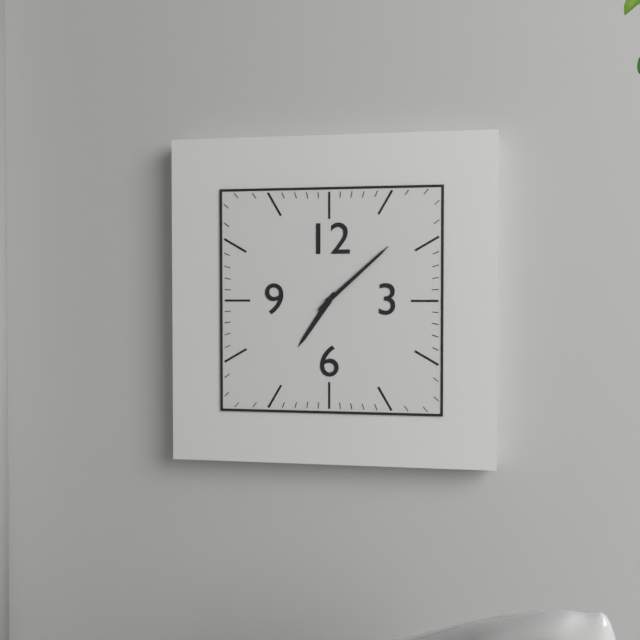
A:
7,08
